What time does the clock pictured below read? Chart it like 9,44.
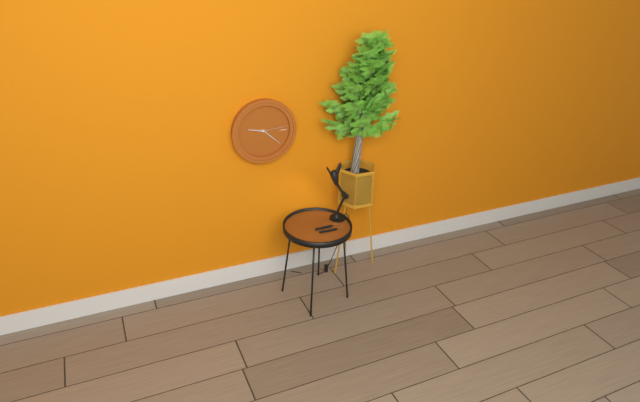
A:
9,22
